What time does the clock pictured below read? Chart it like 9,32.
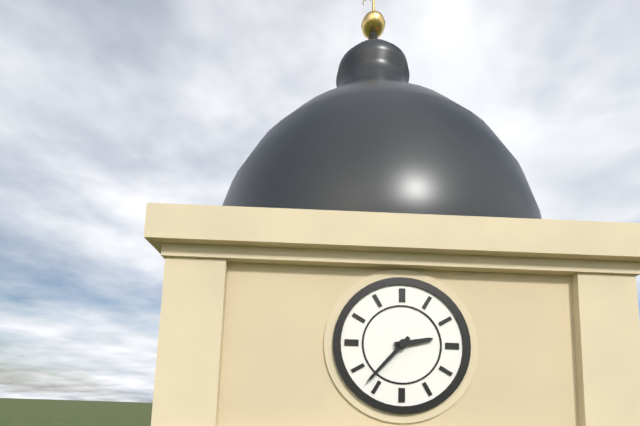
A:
2,37
